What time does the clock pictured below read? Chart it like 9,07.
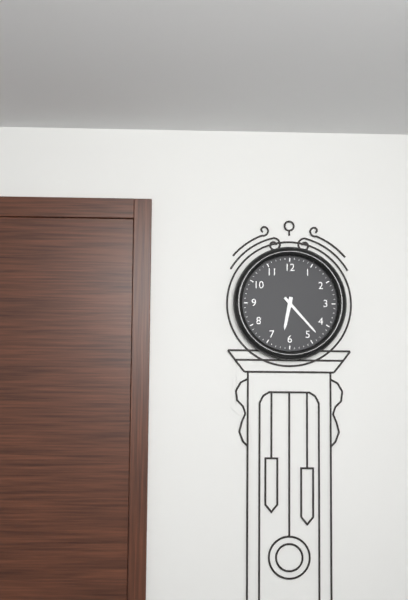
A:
6,23
